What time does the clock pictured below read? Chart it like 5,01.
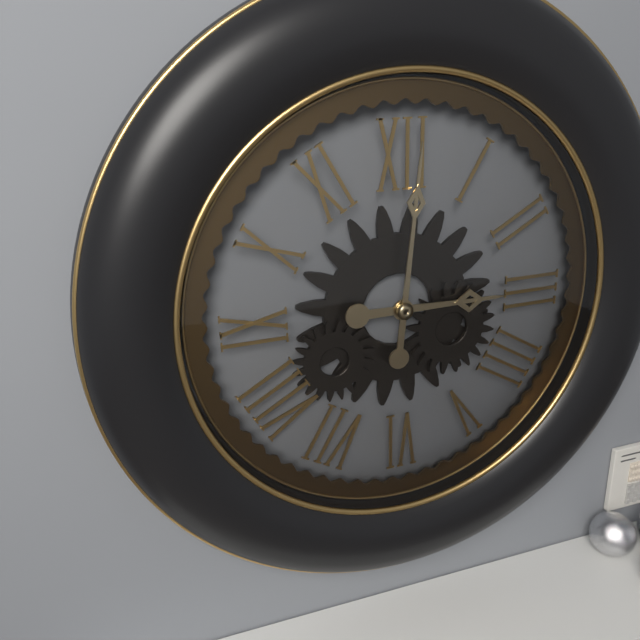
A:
3,01
